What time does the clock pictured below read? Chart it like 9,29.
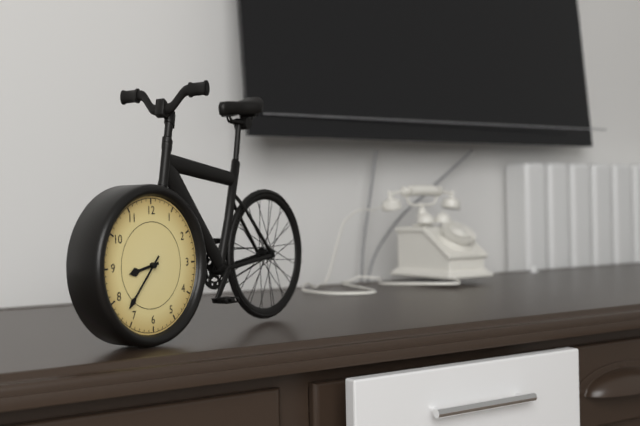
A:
8,37
